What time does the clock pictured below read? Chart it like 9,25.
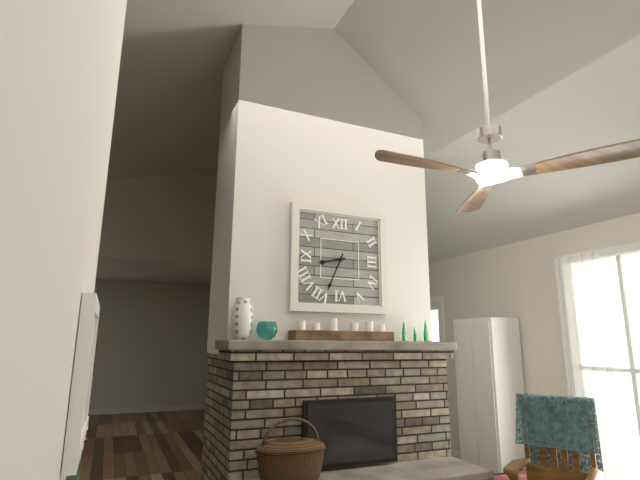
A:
8,34
